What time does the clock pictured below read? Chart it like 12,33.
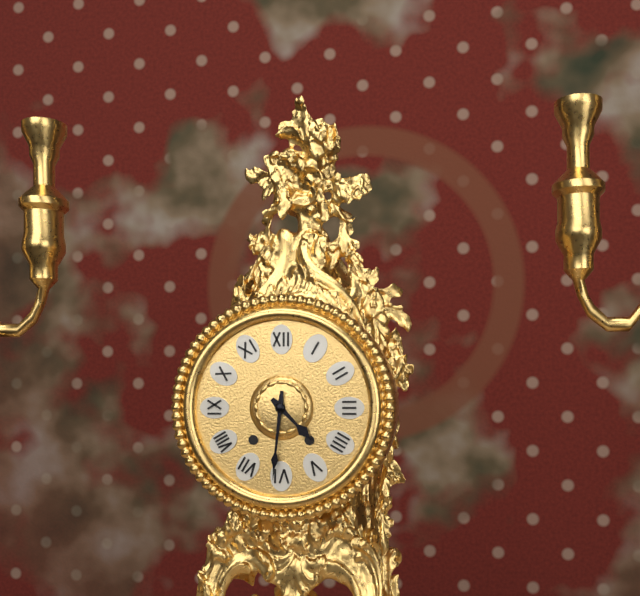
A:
4,31
